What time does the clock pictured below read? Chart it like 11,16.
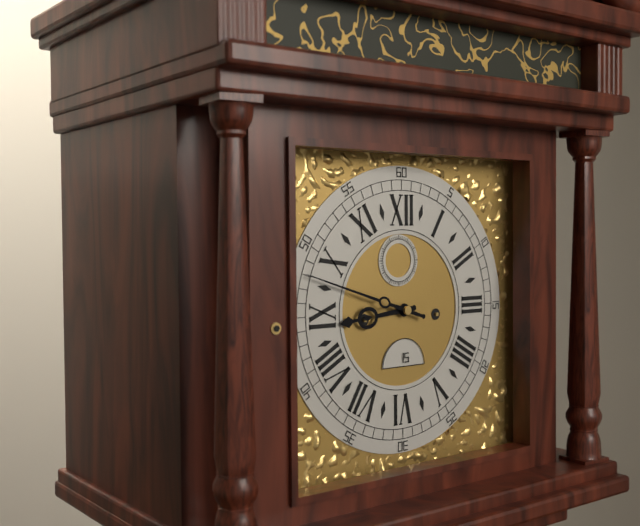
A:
8,48
